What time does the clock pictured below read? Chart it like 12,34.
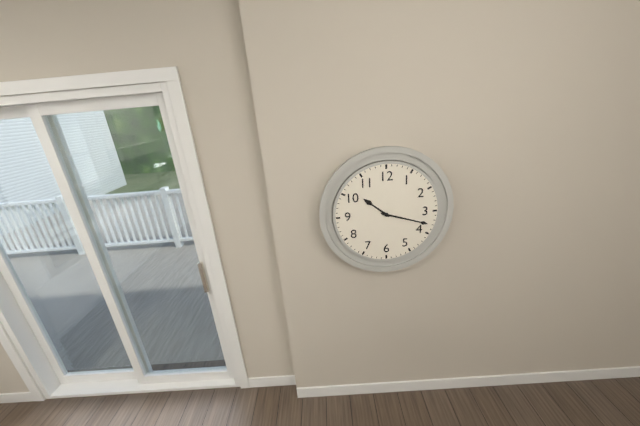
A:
10,18
